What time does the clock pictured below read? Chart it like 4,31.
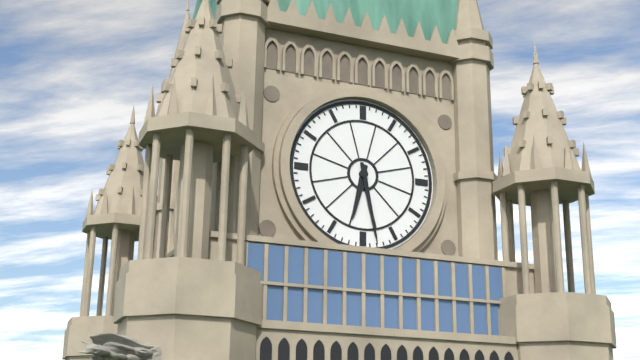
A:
6,28
